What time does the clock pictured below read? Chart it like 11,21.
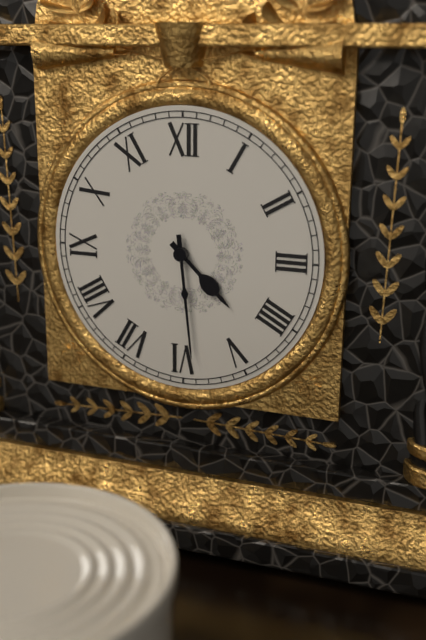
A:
4,29
